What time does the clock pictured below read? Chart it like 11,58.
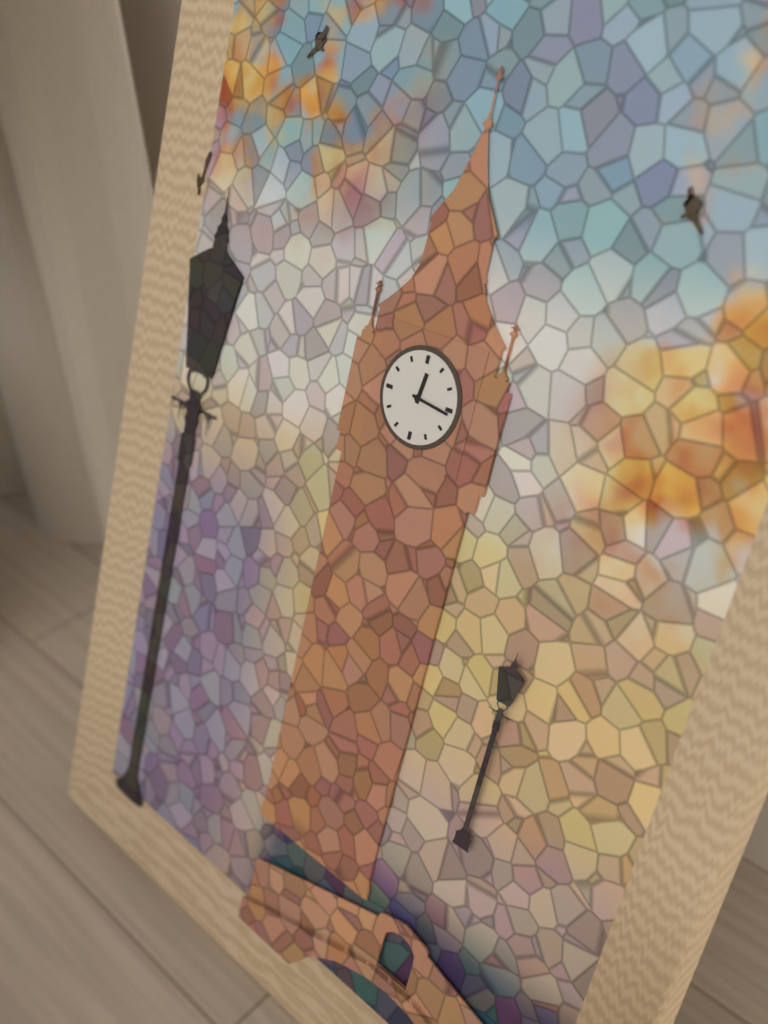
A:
12,16
